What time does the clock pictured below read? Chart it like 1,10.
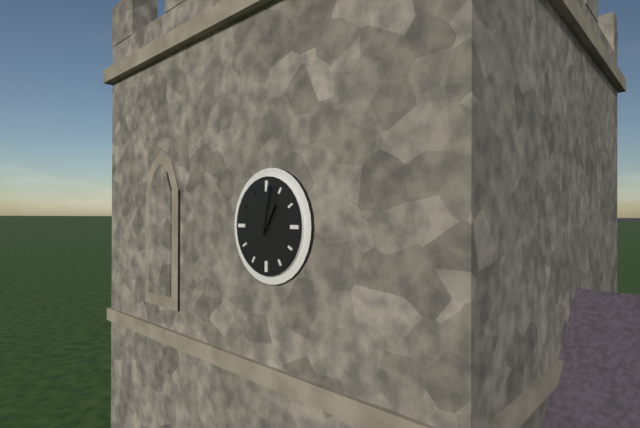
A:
1,02
